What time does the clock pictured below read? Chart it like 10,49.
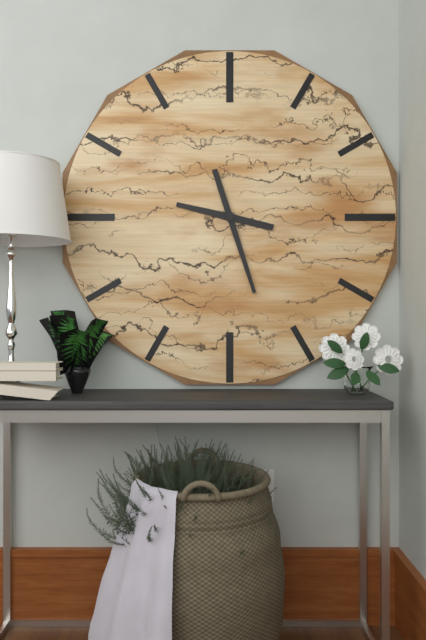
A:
9,27
